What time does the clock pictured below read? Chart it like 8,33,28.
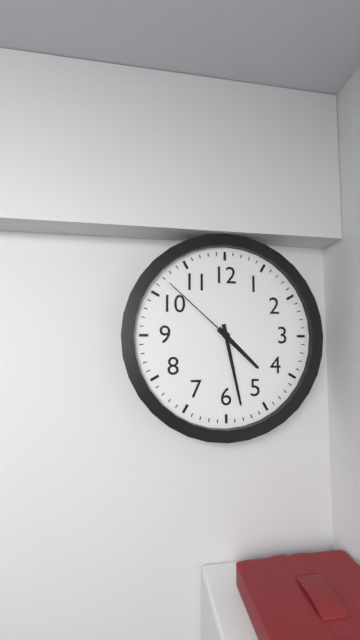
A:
4,28,52
